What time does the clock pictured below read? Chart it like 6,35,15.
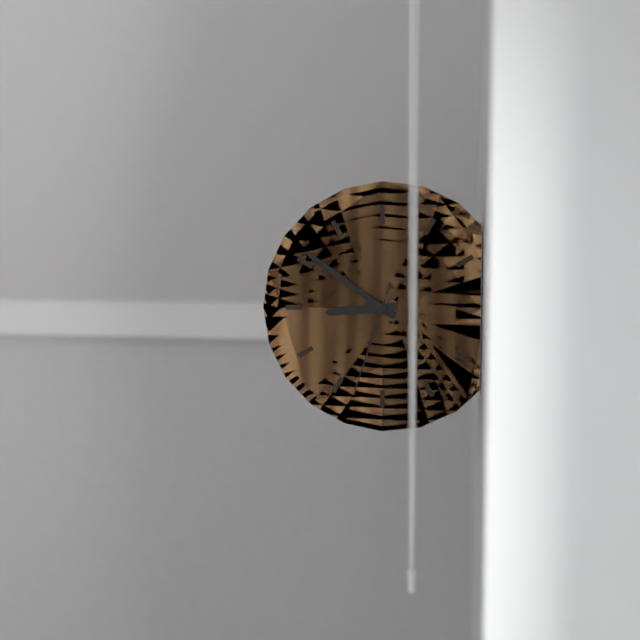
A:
8,51,33
